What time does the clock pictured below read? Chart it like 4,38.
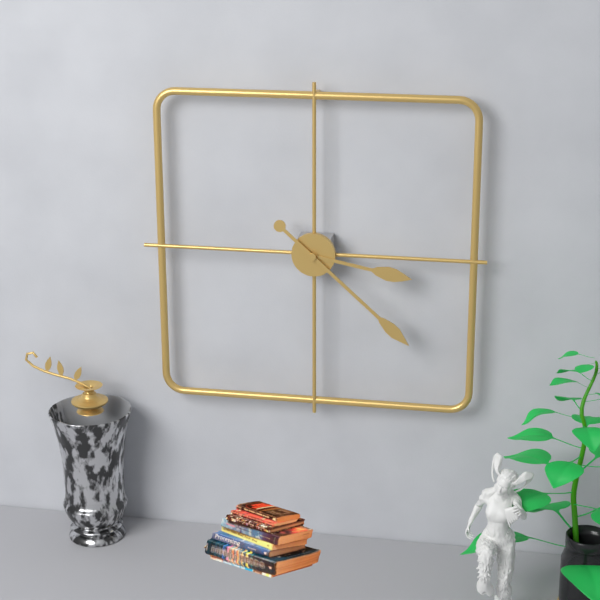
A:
3,22
